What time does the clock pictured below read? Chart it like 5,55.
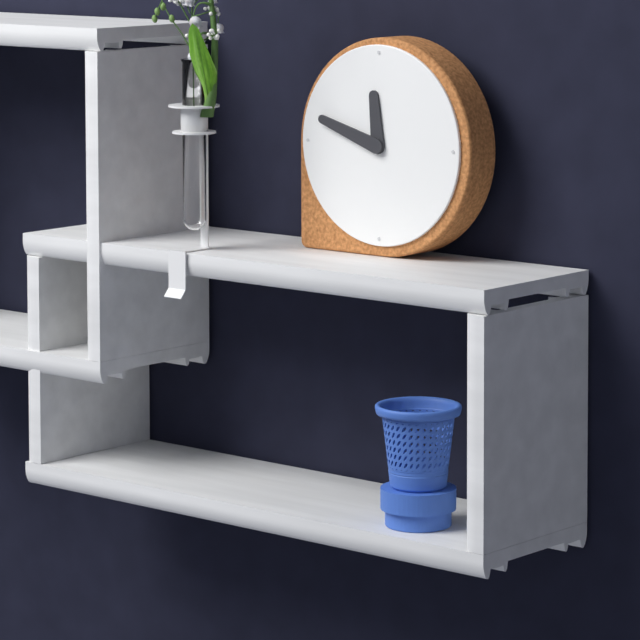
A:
11,48
